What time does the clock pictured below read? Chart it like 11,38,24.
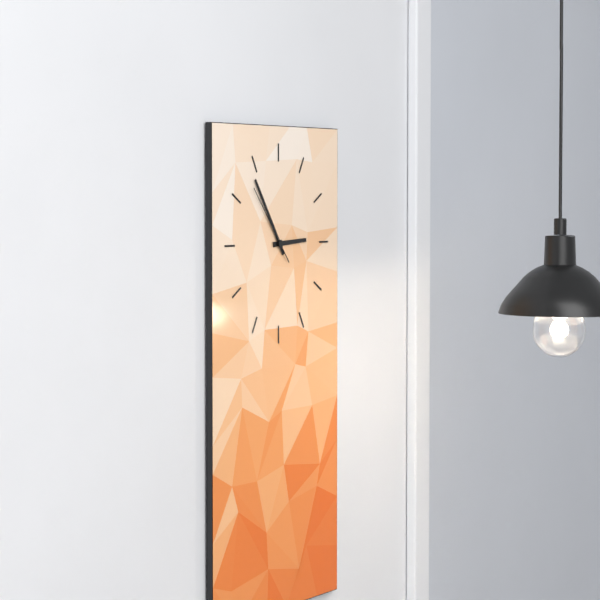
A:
2,54,53
